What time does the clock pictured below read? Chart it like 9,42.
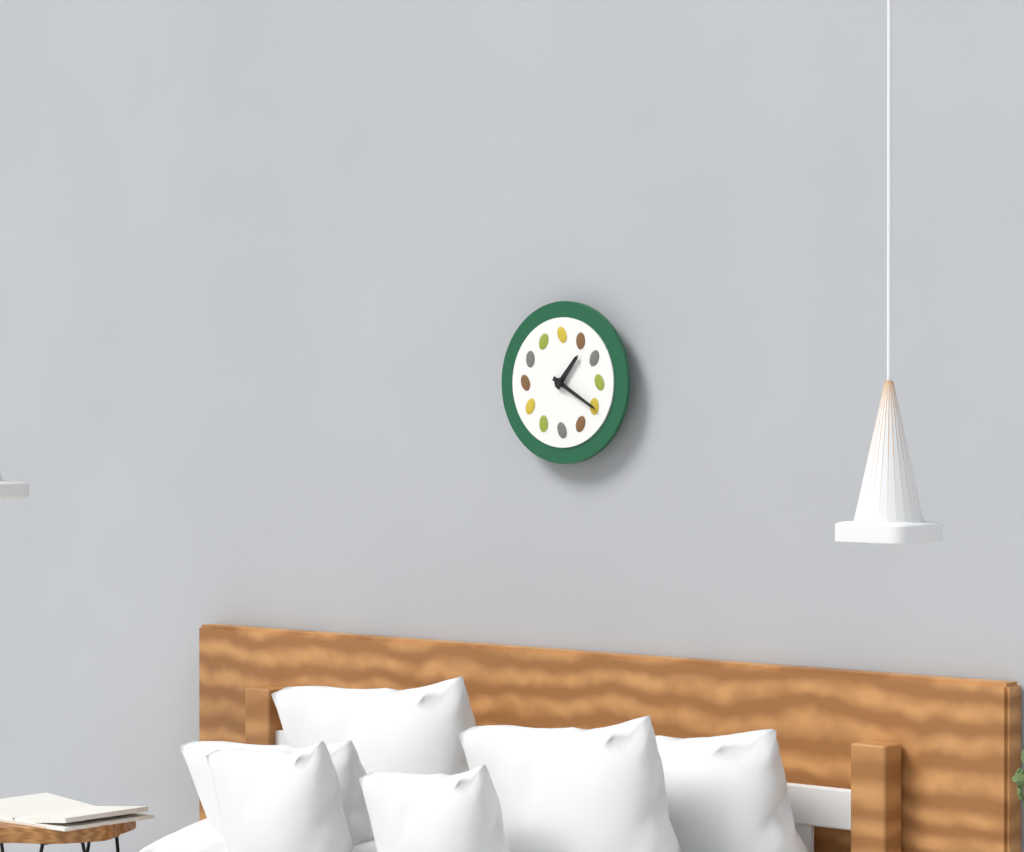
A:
1,20
